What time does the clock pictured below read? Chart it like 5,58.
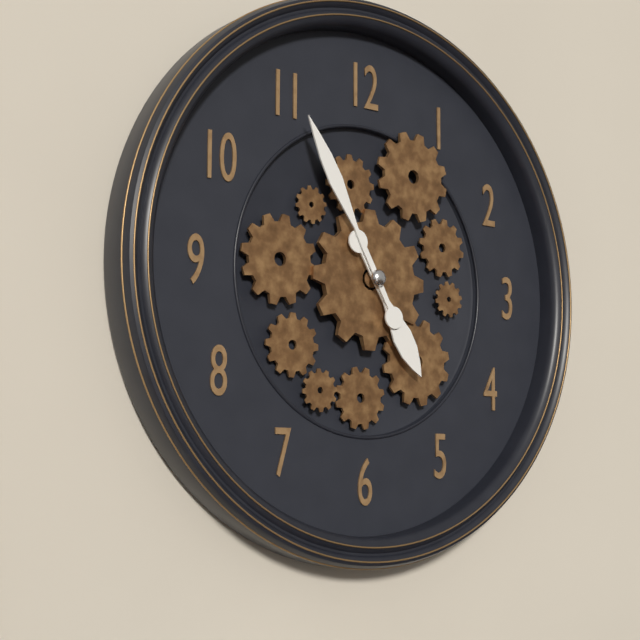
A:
4,55
